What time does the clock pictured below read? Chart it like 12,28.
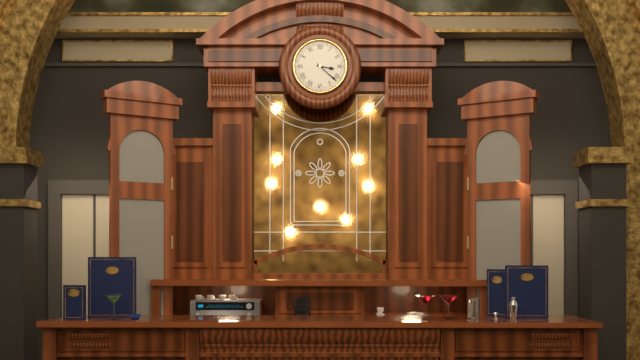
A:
3,22
